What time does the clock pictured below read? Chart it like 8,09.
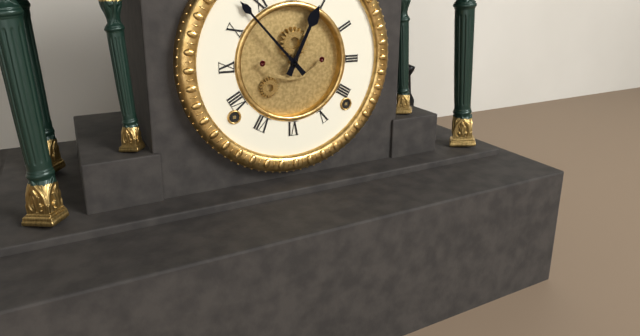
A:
12,53
